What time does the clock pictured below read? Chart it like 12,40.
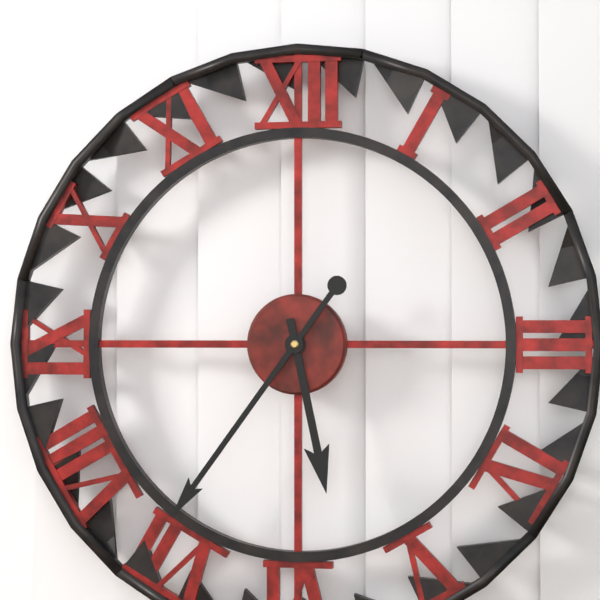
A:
5,36
